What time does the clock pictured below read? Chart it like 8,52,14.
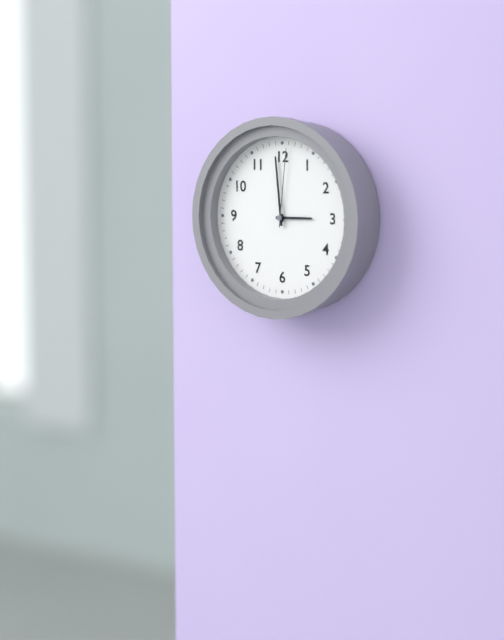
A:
2,59,01
